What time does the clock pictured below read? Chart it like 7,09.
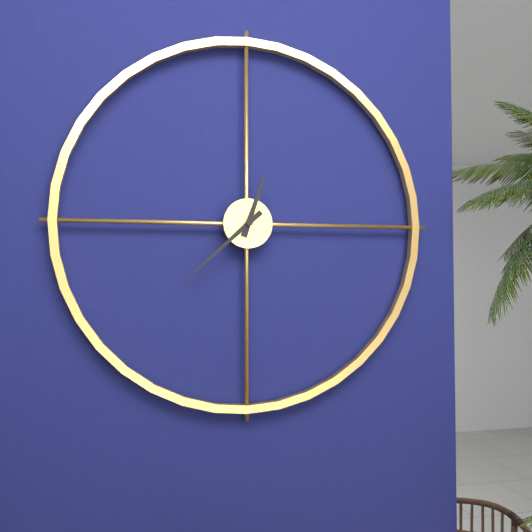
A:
12,38
